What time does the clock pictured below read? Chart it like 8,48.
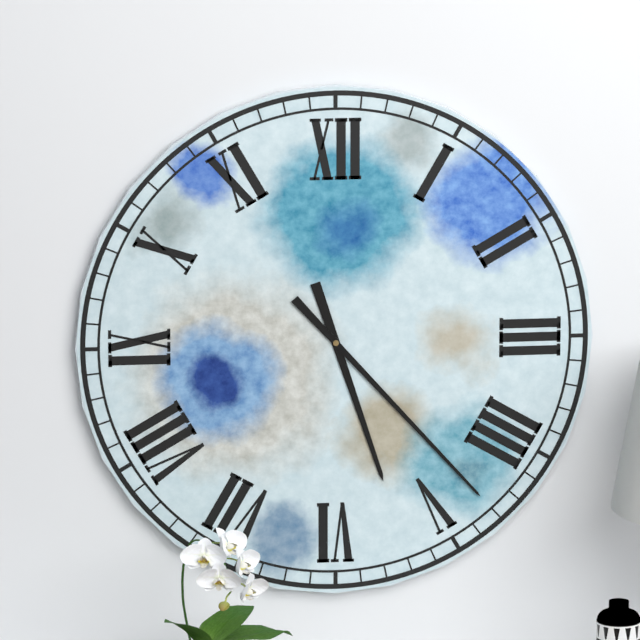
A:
5,23
